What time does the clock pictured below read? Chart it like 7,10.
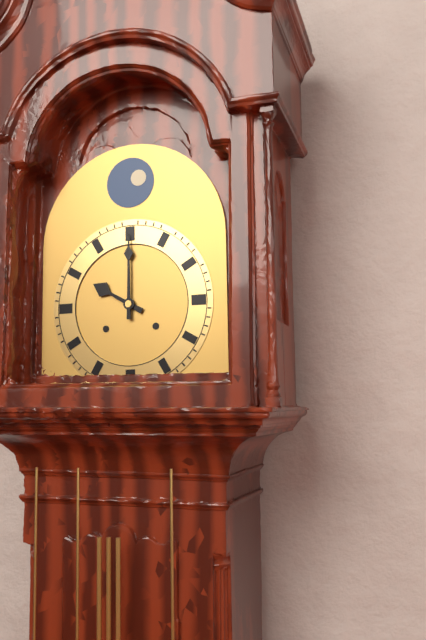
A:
10,00
